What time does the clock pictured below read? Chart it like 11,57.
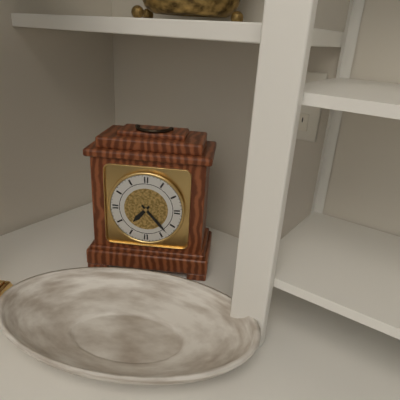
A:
7,23
